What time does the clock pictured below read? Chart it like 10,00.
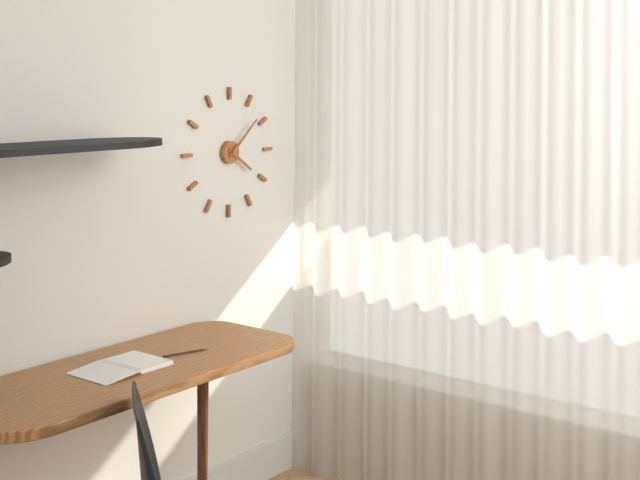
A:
4,08
